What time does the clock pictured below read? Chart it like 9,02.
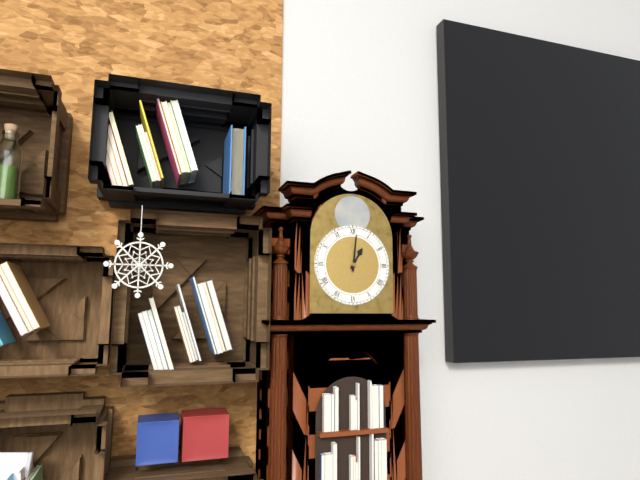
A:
1,01
